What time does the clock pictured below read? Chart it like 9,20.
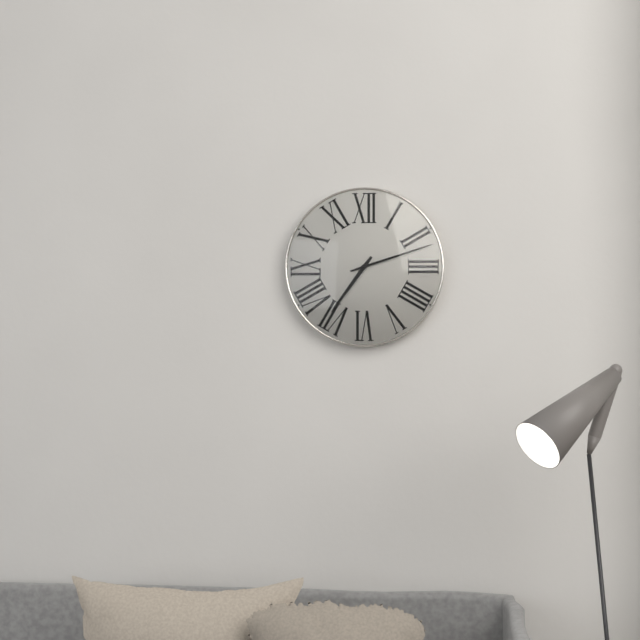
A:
7,12
